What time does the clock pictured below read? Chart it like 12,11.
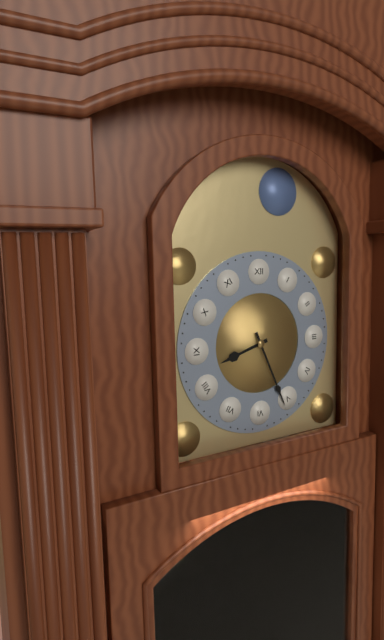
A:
8,26
